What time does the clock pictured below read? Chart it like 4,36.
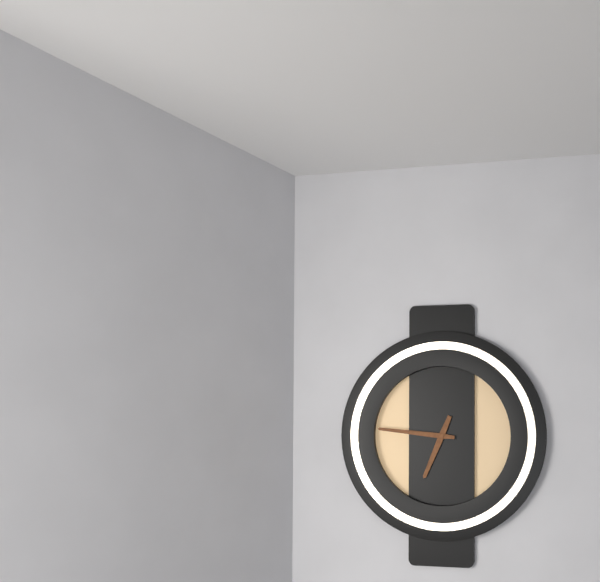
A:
6,46
